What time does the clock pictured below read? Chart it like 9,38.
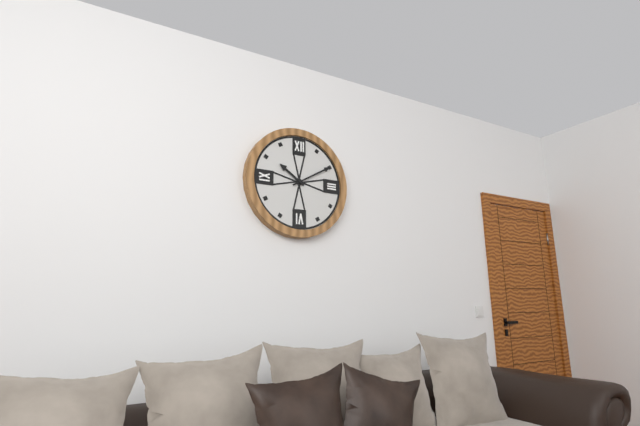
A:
10,10
